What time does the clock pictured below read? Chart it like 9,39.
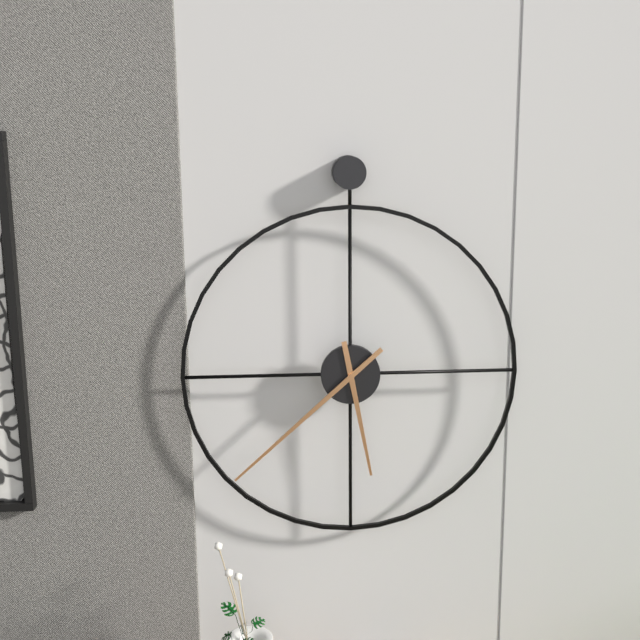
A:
5,38
